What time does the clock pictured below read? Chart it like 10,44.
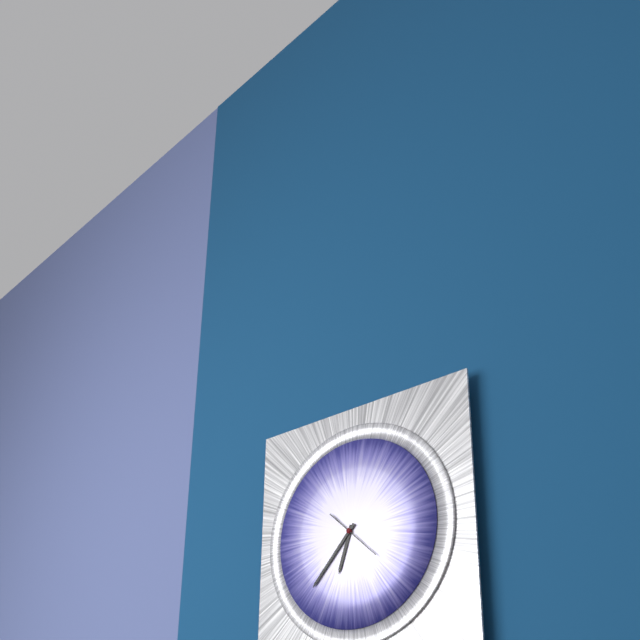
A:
6,37
